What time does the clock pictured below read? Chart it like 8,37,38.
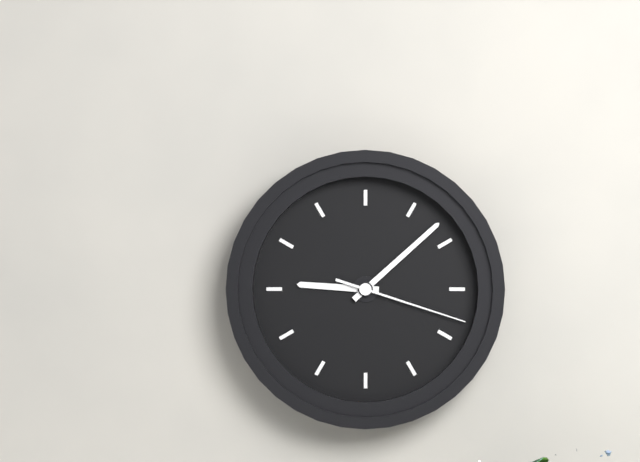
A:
9,08,18
